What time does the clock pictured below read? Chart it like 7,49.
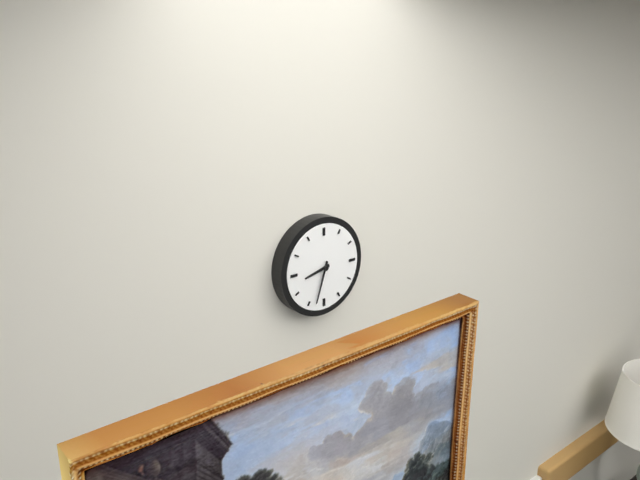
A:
8,33
